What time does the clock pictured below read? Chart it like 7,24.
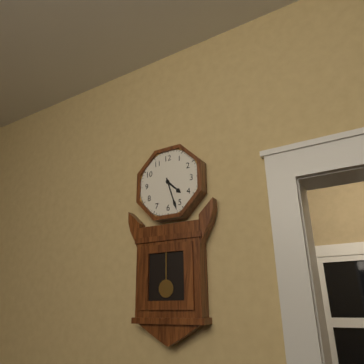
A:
4,27
